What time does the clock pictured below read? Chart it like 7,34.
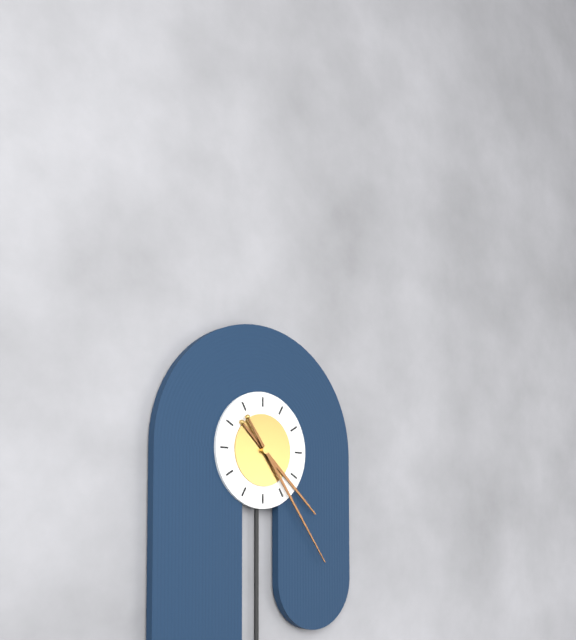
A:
4,24
